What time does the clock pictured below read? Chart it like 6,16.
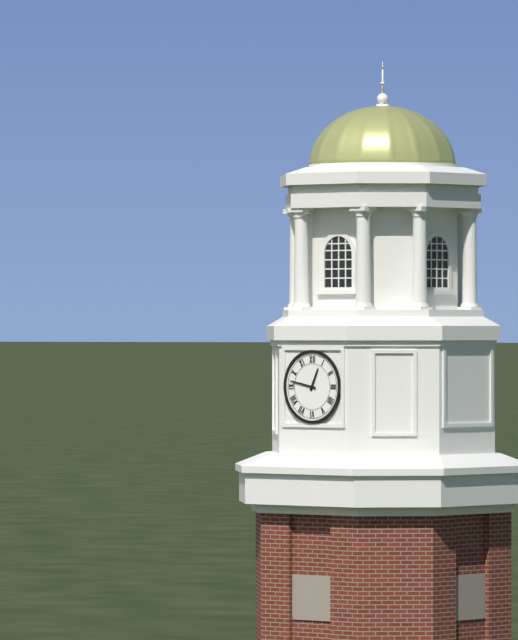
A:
12,47
